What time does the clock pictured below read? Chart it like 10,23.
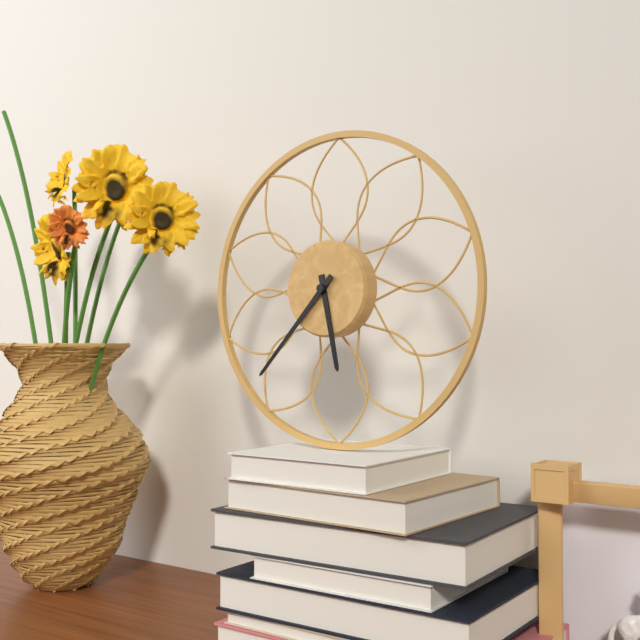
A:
5,37
